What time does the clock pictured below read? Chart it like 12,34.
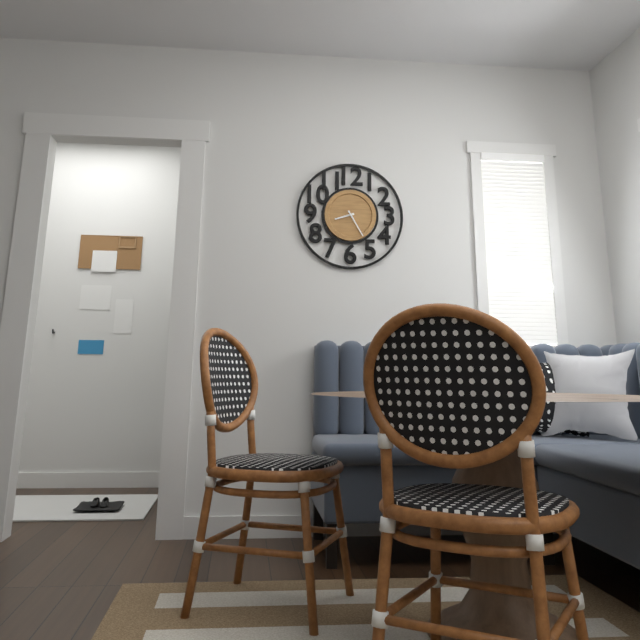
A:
8,25
